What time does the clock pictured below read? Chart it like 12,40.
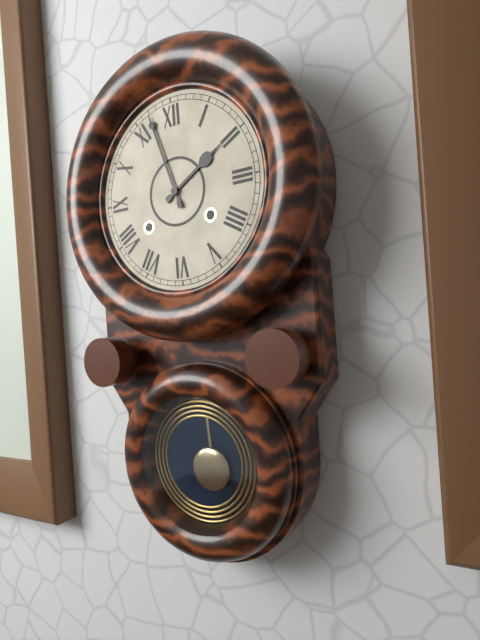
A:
1,57
